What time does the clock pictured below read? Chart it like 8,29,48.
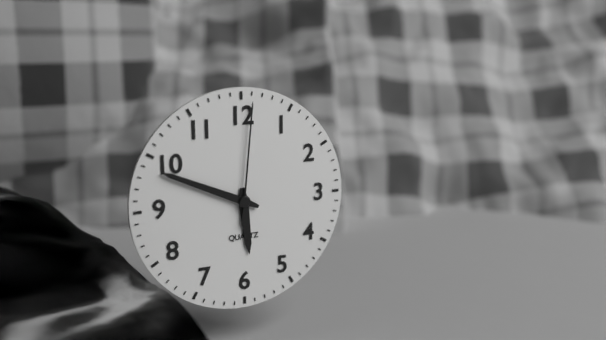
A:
5,49,01
